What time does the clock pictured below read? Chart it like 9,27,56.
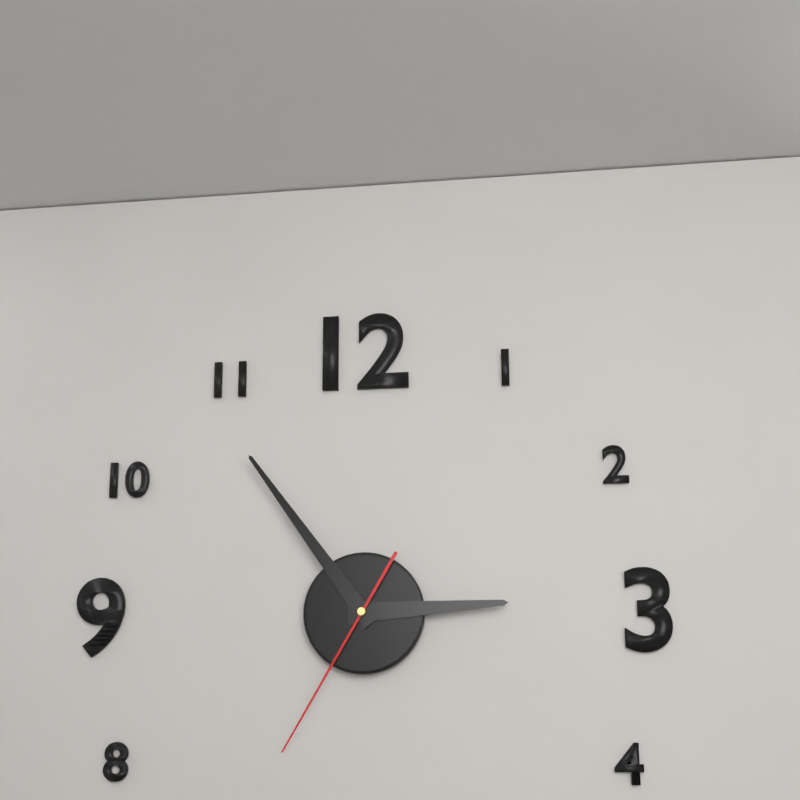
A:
2,54,35
